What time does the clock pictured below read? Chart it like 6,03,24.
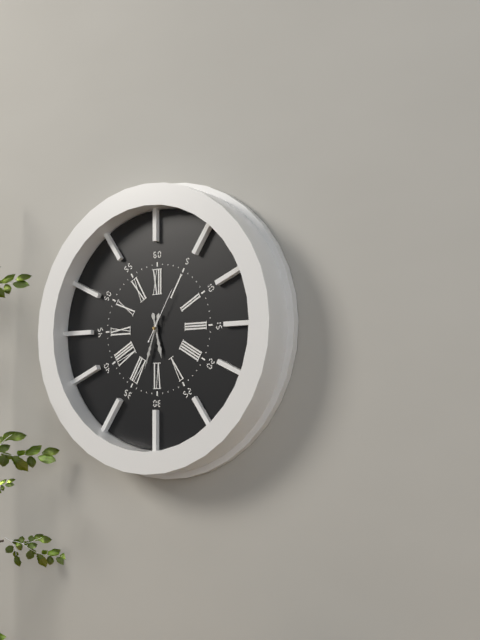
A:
5,33,05
